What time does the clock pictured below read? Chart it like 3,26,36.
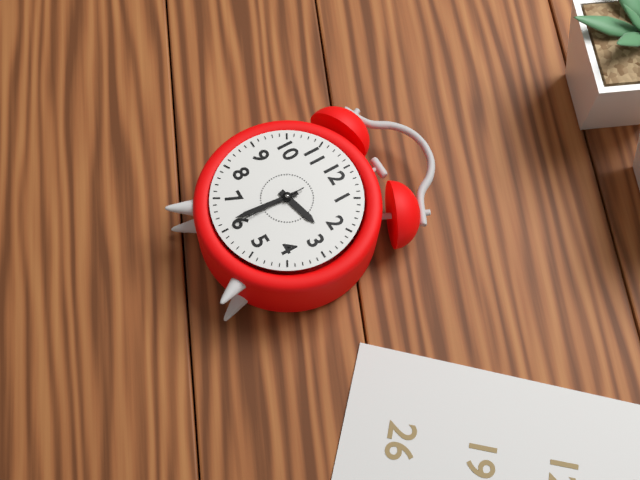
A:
2,31,30
